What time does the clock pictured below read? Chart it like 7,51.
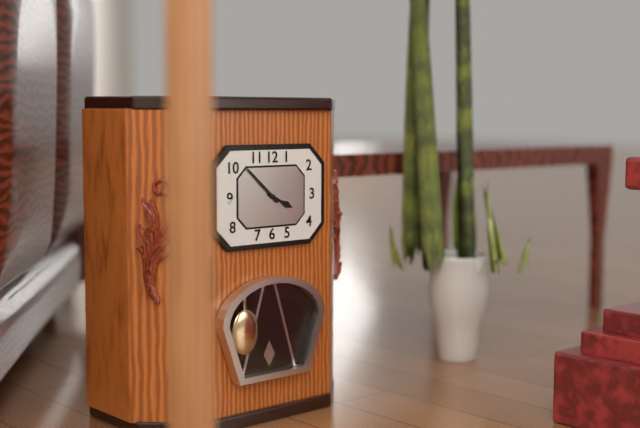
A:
3,52
